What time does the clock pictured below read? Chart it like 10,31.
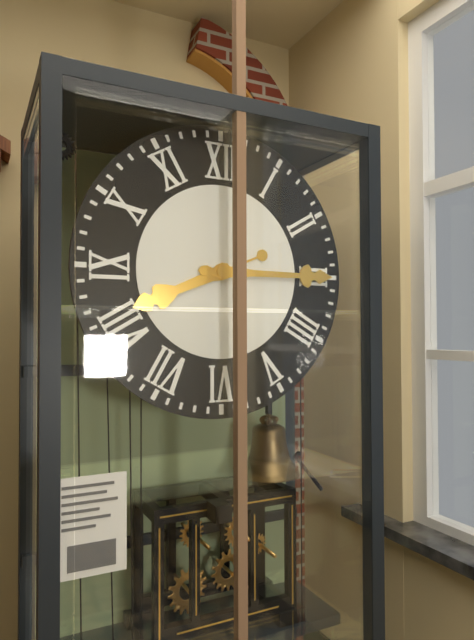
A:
8,15
